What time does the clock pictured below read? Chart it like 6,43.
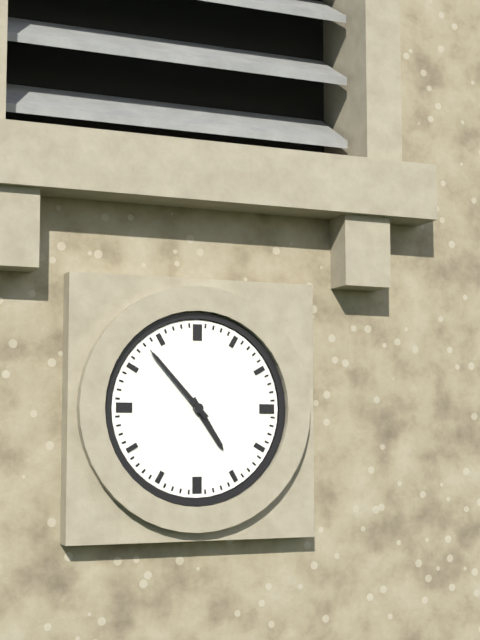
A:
4,53
